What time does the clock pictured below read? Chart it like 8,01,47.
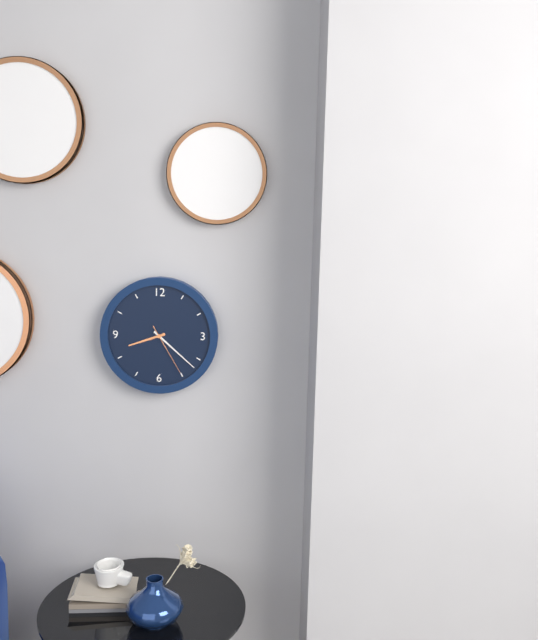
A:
8,22,25
